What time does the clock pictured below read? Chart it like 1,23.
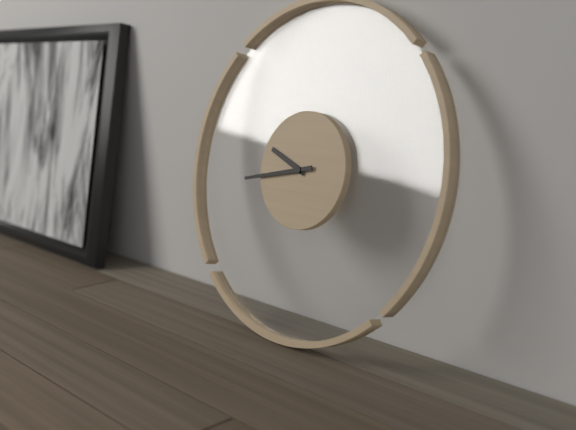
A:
9,43
